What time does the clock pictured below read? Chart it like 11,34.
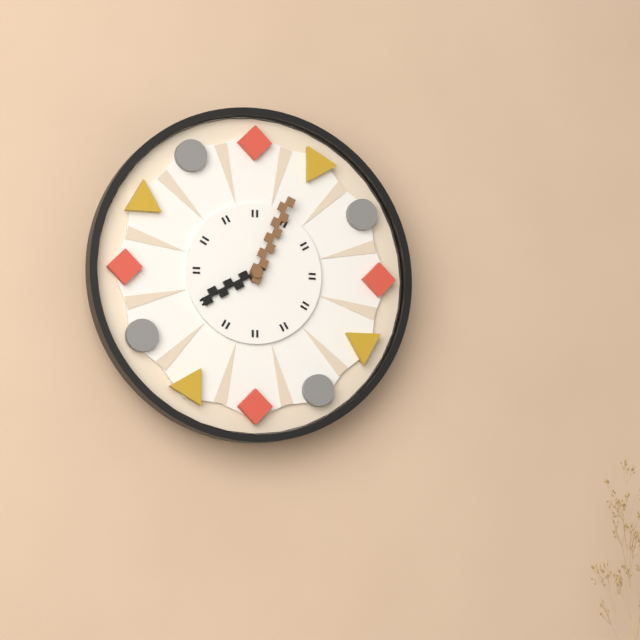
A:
8,04
